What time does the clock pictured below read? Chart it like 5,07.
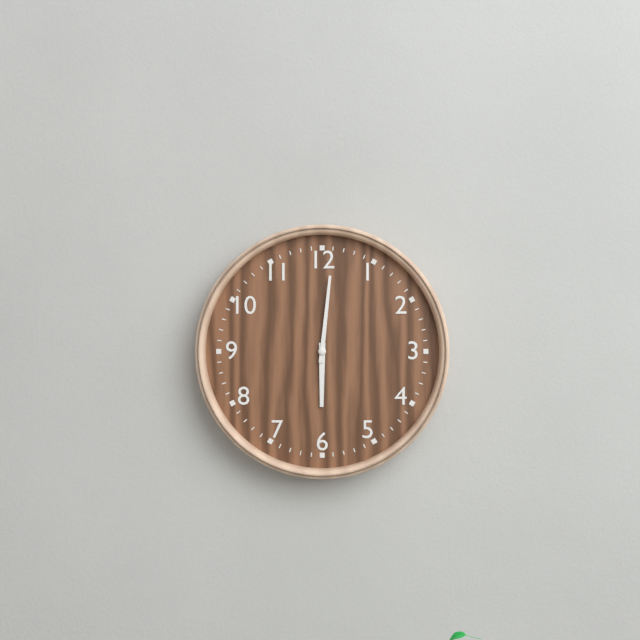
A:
6,01
